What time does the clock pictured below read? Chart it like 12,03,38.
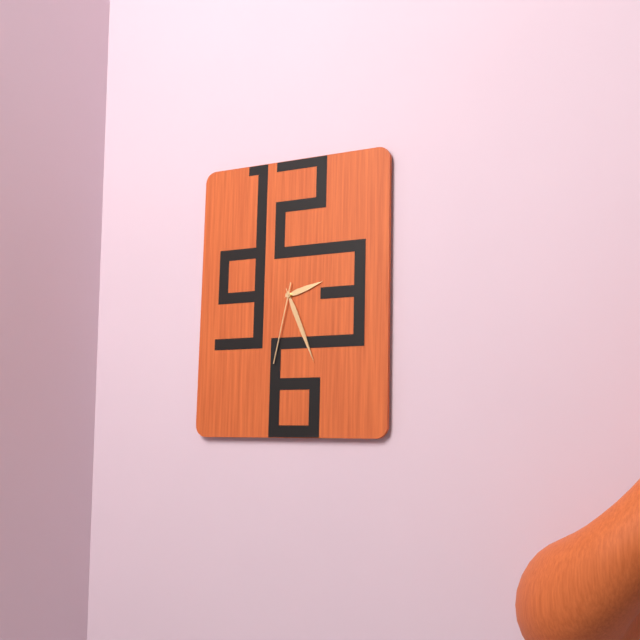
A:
2,26,32
